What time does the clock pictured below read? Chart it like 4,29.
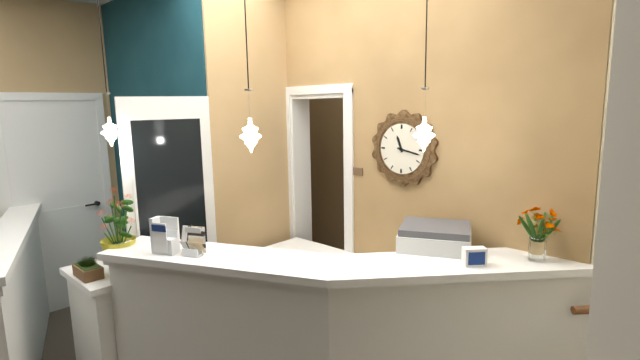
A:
11,17
